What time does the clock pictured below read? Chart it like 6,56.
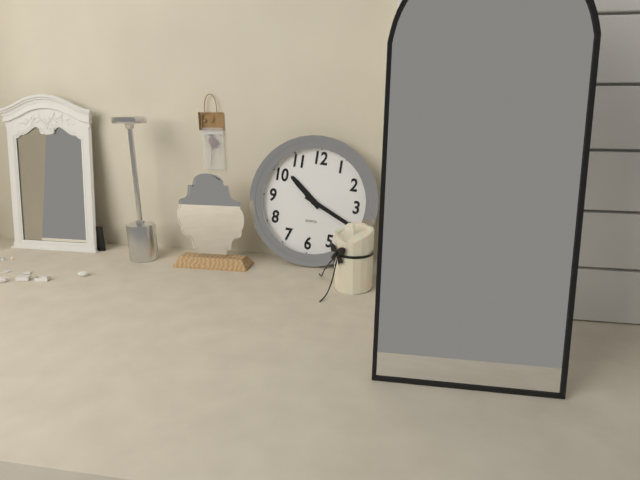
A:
10,19
